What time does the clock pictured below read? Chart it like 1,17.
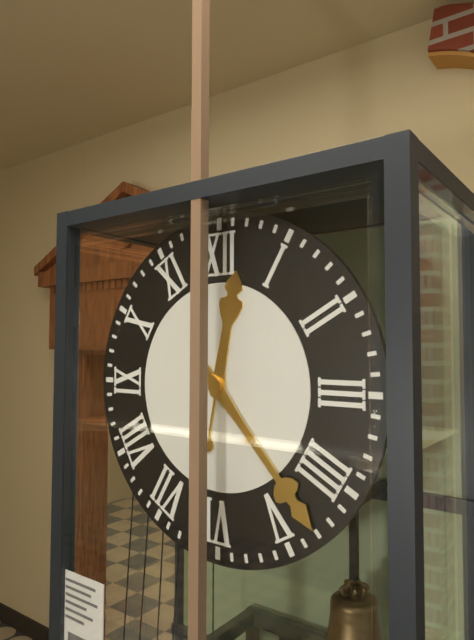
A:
12,23
